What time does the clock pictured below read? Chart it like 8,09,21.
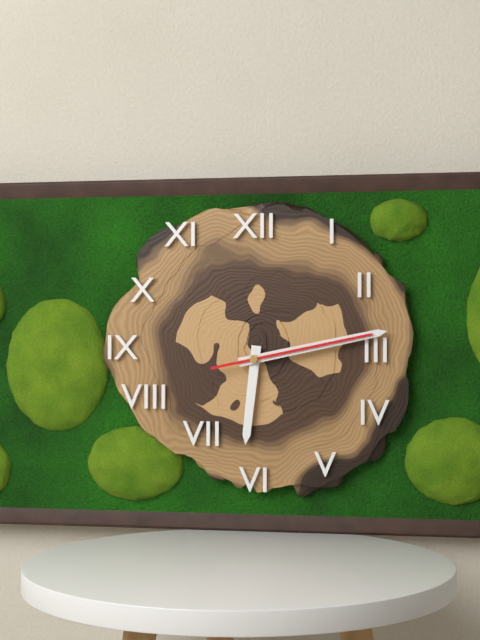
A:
6,13,13
